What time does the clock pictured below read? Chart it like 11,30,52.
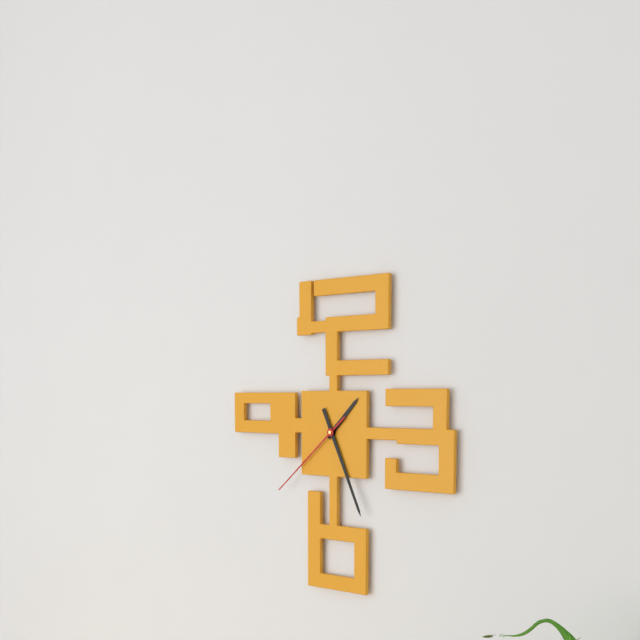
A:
1,26,38
